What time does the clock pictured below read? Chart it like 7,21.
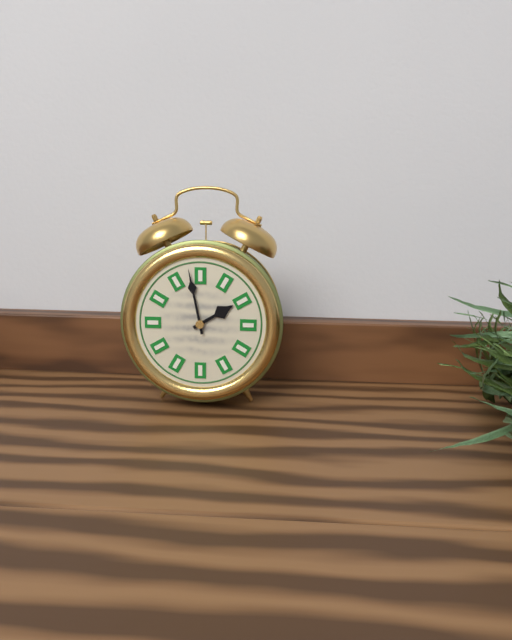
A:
1,58
